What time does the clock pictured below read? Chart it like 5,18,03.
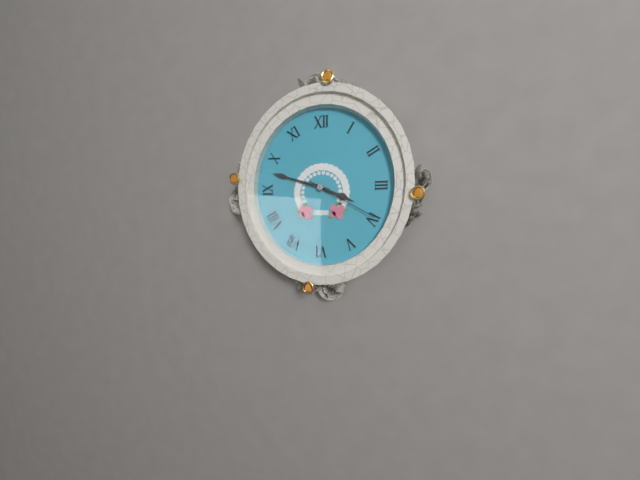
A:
3,48,20
